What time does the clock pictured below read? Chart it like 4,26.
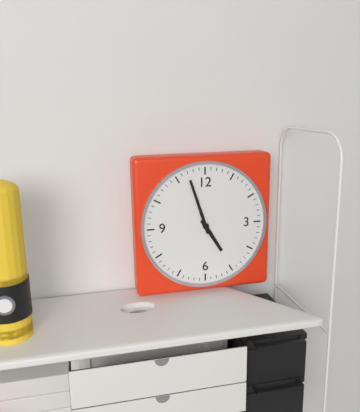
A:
4,57
